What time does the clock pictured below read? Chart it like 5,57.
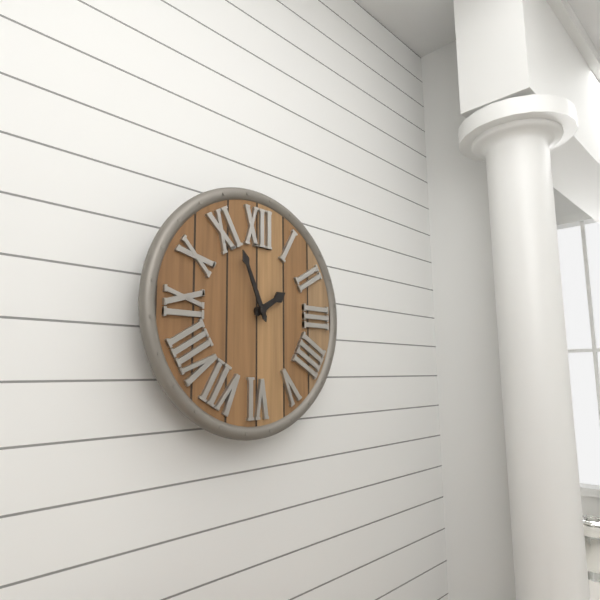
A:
1,56
